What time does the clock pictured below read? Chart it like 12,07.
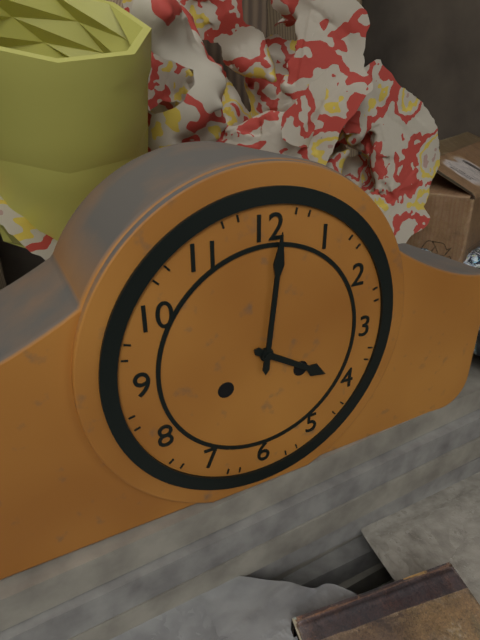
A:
4,01
